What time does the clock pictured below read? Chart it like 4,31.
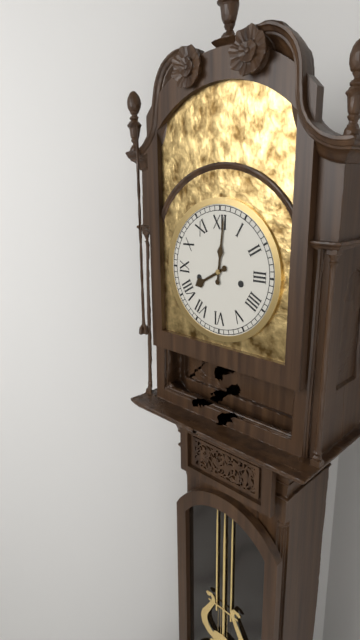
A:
8,01
